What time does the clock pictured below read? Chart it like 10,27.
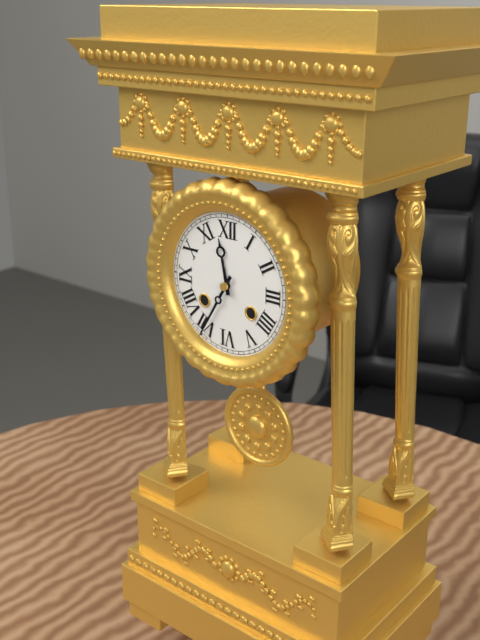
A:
11,35
